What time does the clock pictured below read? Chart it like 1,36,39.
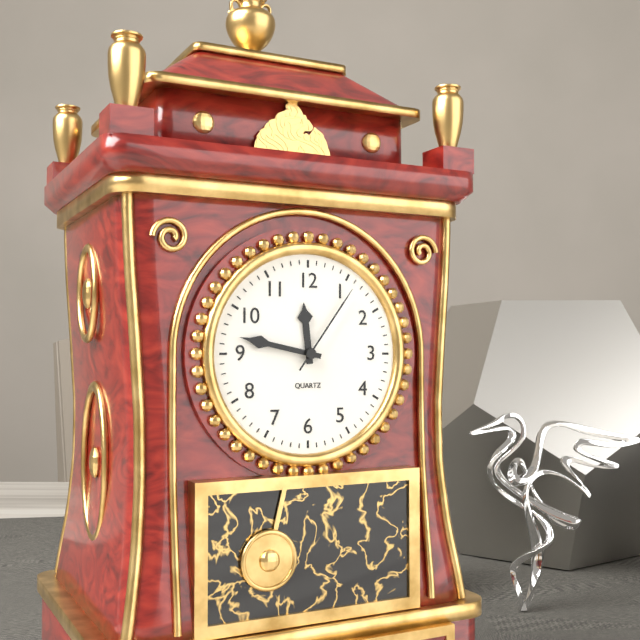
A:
11,47,06
